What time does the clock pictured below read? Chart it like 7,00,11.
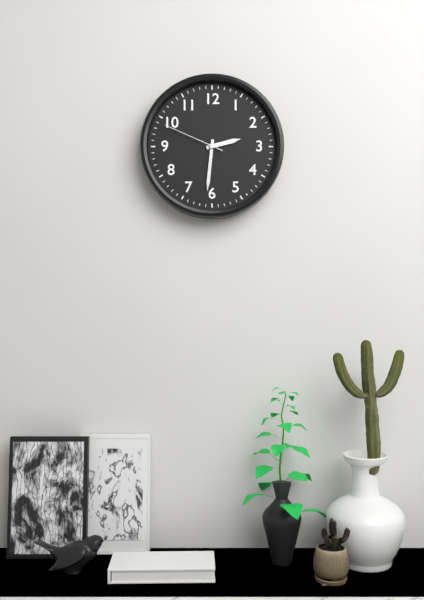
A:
2,31,49
